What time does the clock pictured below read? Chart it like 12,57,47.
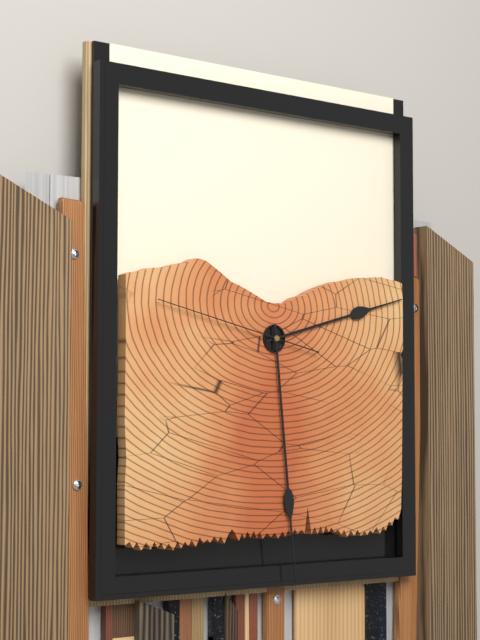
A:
2,29,47
